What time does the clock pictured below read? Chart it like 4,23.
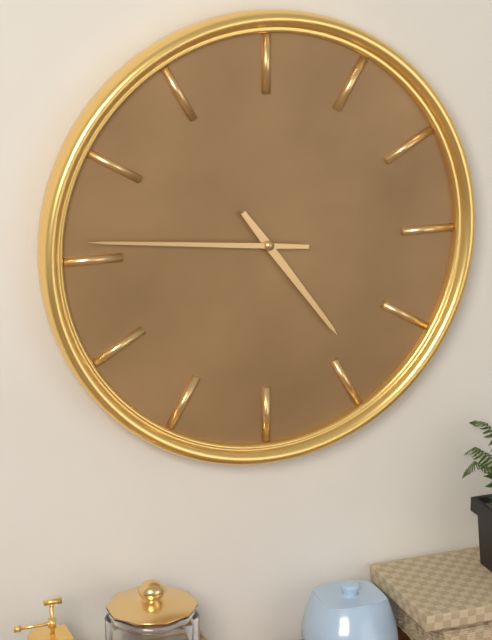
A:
4,46
